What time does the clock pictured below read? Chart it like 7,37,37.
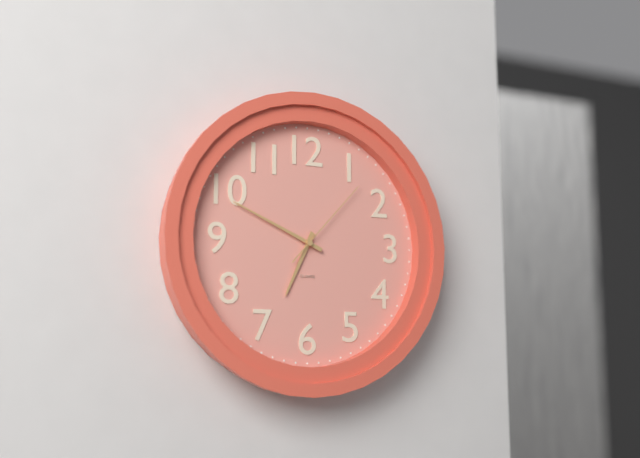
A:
6,49,07
